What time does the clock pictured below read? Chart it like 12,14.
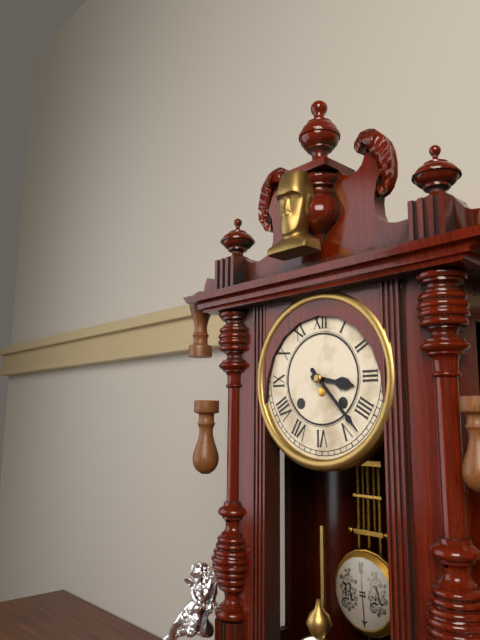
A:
3,23
